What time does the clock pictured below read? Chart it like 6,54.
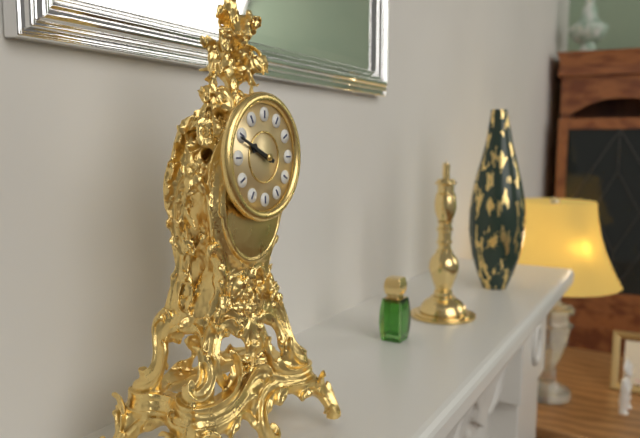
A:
9,49
